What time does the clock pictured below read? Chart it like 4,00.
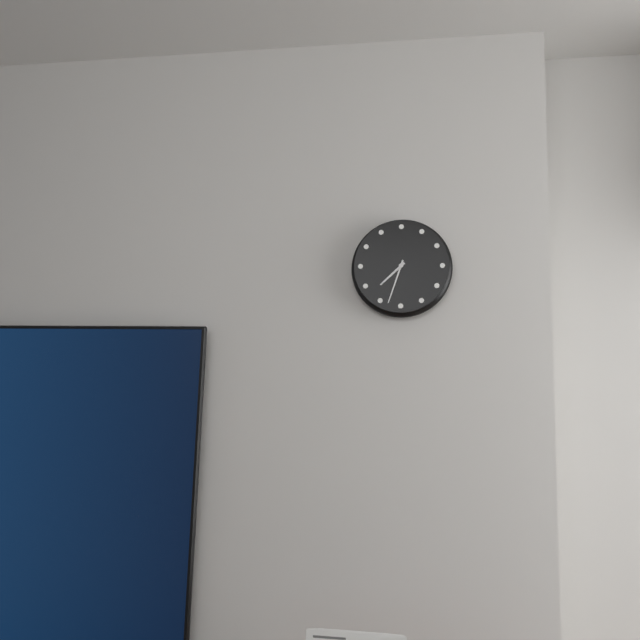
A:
7,33
